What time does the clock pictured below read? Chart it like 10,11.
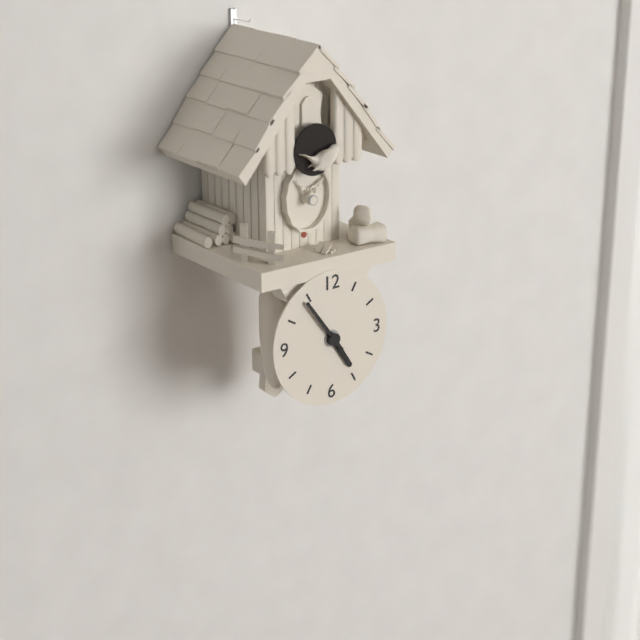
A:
4,54
